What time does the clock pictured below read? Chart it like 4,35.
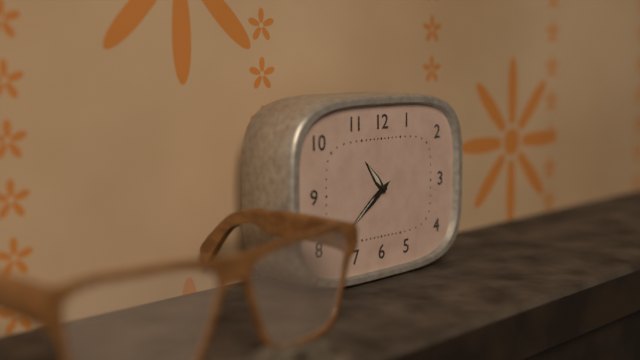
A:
10,39
